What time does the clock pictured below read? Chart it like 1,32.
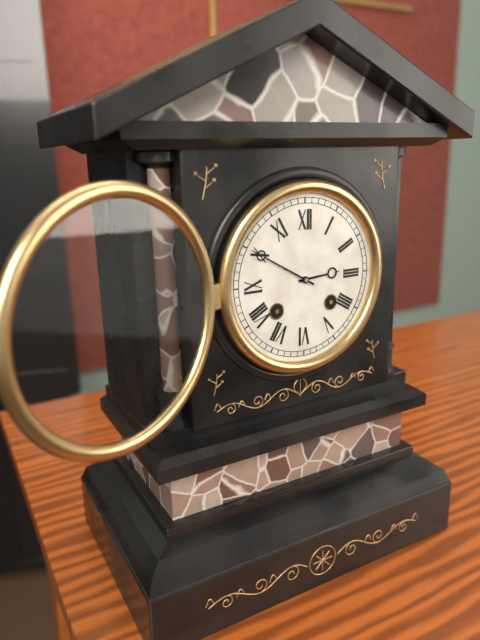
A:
2,50
